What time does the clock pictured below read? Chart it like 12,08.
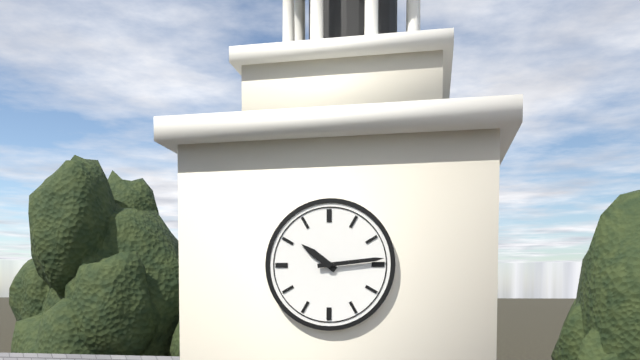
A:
10,14
